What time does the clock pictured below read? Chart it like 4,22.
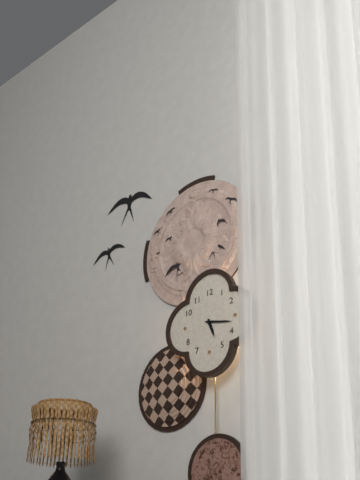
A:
5,17
